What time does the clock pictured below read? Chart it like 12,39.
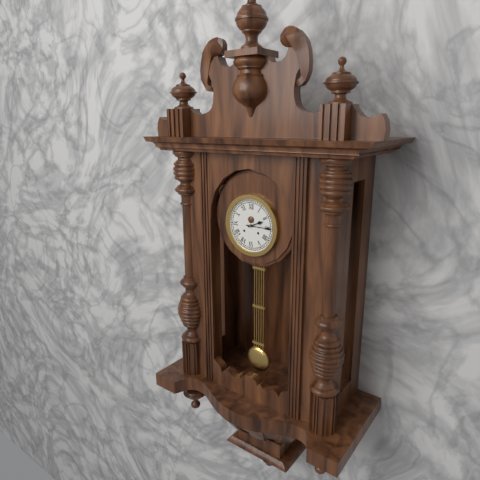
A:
2,15
